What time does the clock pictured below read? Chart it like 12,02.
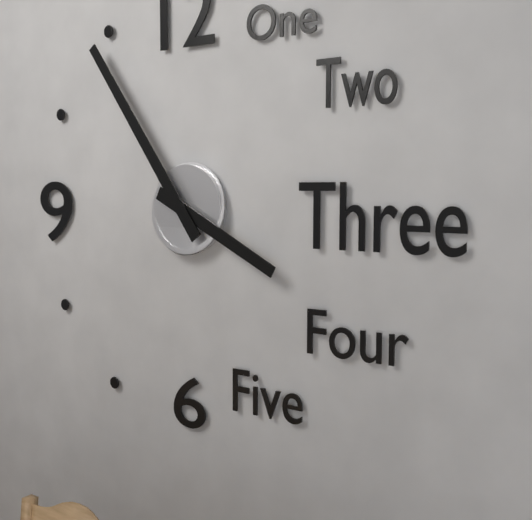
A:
3,54
